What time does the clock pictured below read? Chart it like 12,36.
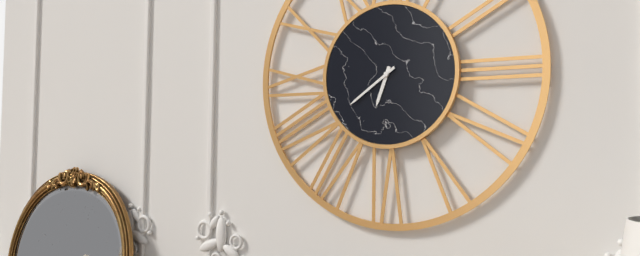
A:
6,39
